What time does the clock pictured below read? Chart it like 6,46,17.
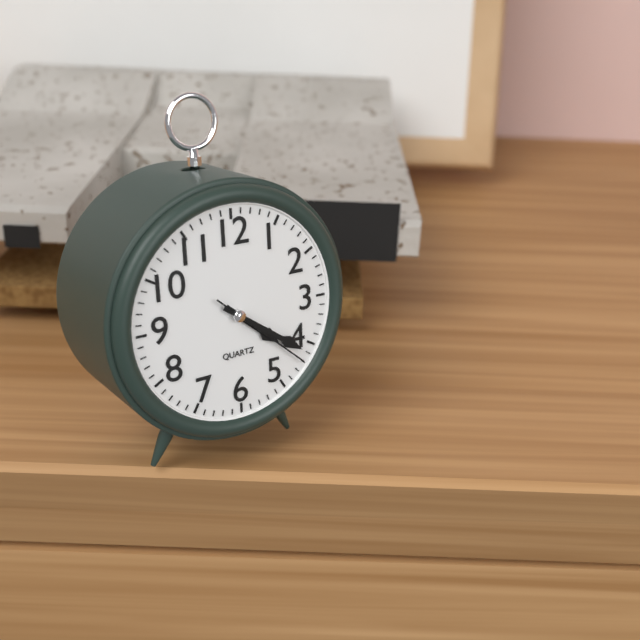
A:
4,21,22
